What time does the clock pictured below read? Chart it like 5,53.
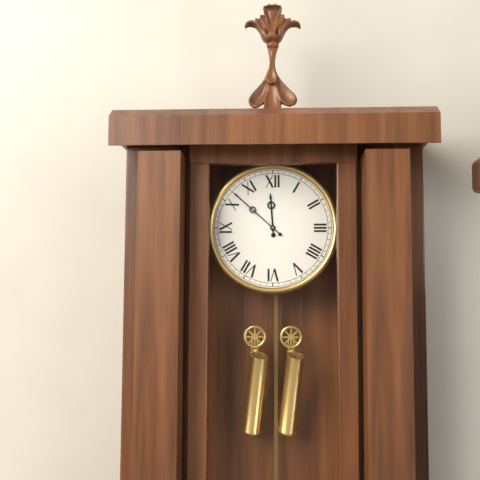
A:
11,52
